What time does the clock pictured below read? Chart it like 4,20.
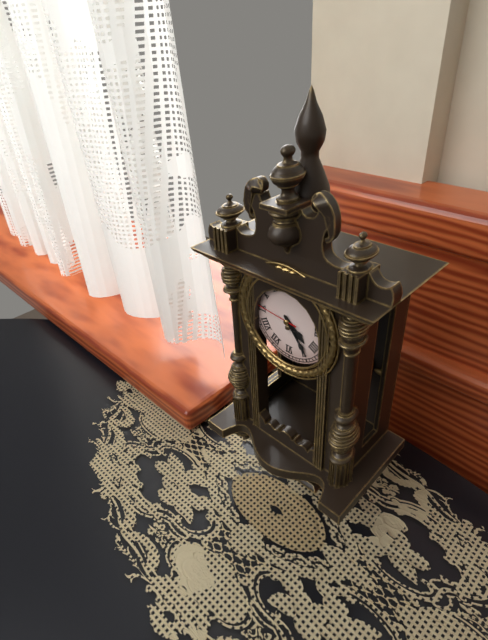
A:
4,24
